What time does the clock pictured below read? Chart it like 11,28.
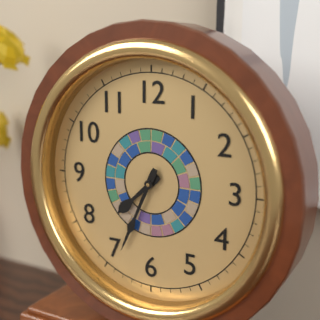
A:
7,34
